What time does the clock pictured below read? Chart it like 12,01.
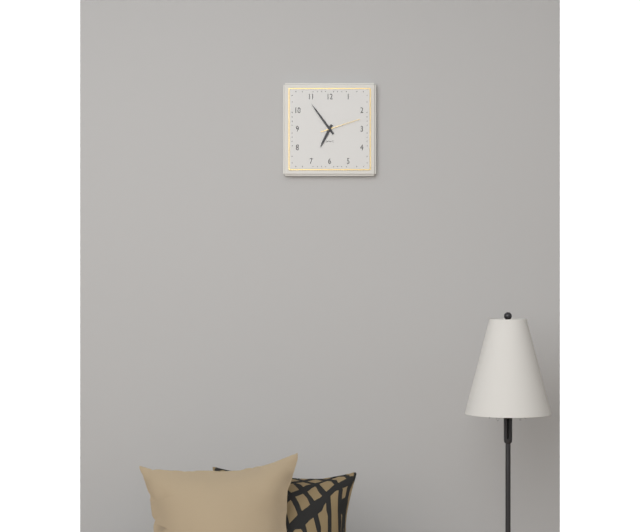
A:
6,54
